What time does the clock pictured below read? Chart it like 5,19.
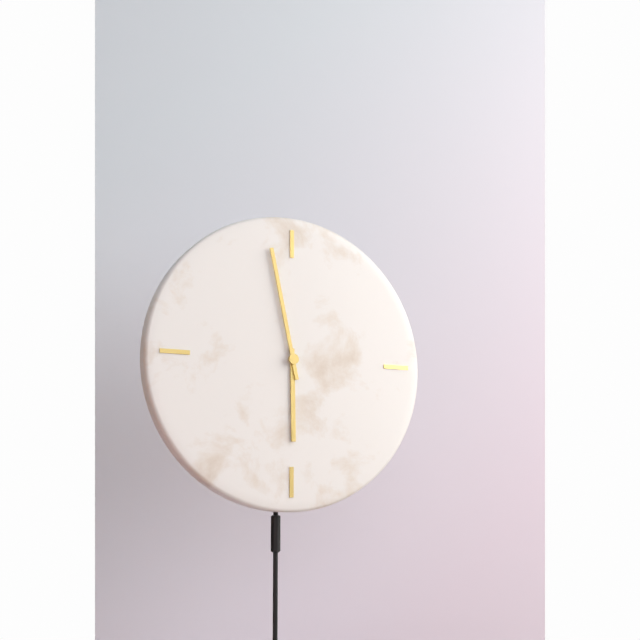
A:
5,58
